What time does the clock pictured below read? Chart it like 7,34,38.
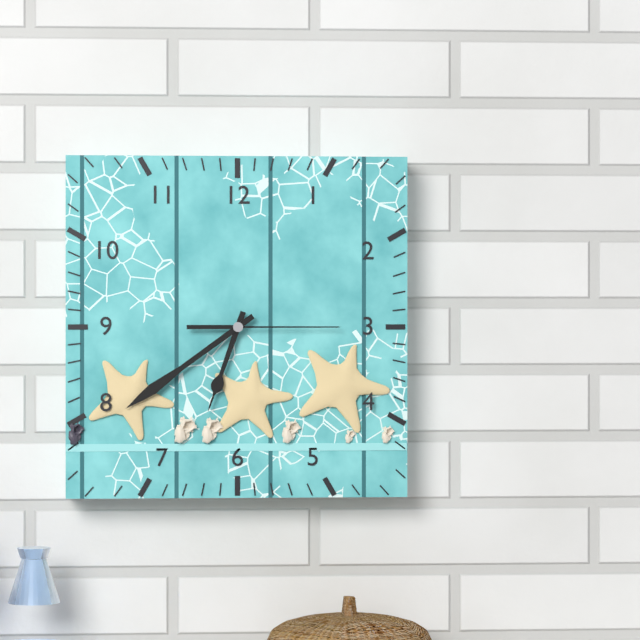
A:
6,39,15
